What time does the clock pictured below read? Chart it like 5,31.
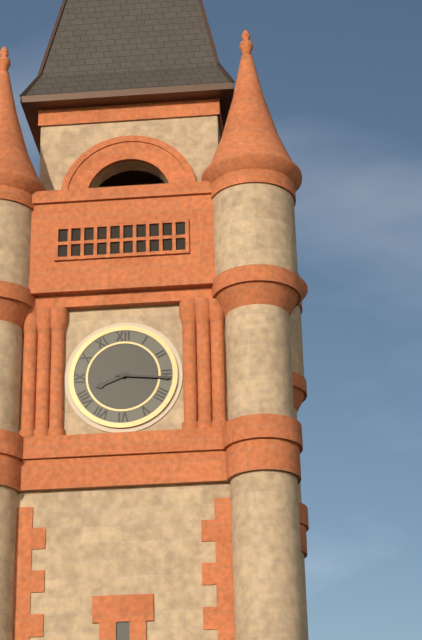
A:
8,16
